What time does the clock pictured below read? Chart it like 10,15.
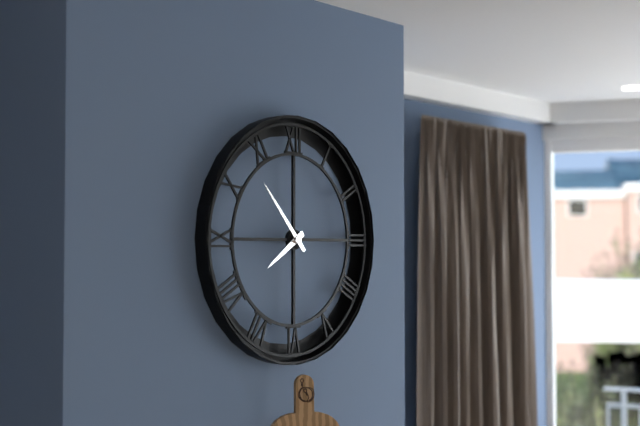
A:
7,53
